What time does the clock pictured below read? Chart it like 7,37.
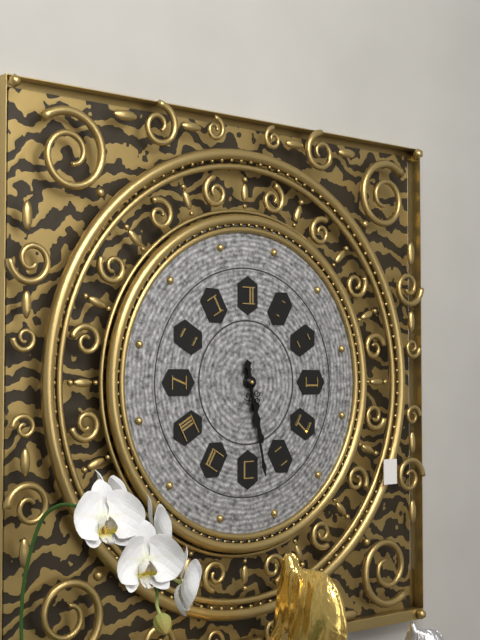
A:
5,28
